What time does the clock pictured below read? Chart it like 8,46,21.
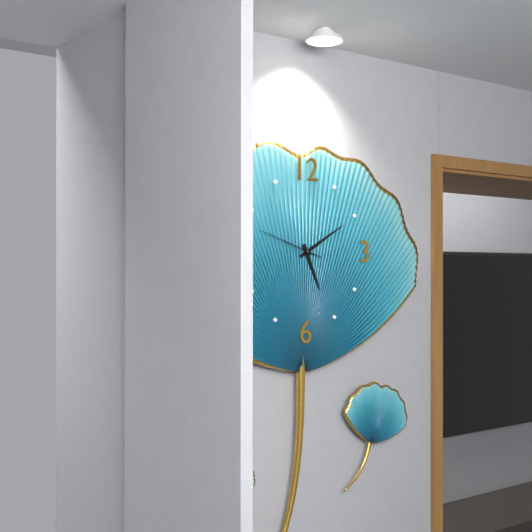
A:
5,10,48
